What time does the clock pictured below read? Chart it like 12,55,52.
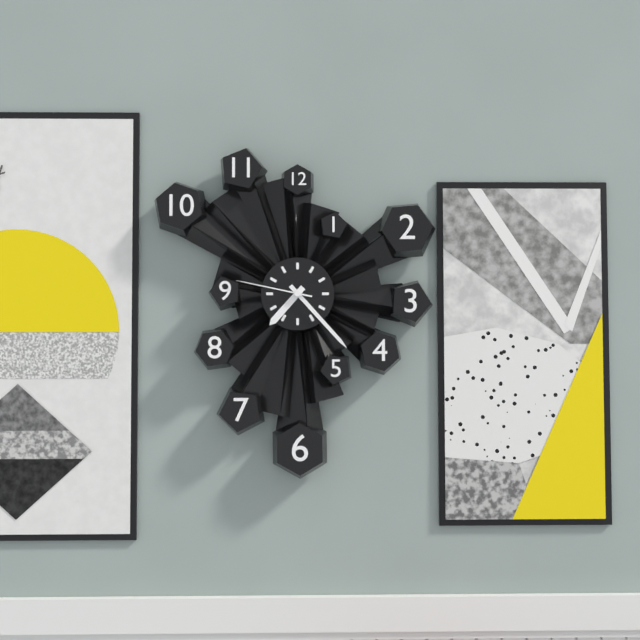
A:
7,23,47
